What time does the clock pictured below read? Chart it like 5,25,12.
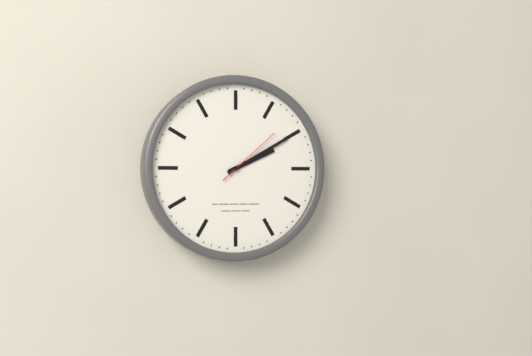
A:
2,10,08
